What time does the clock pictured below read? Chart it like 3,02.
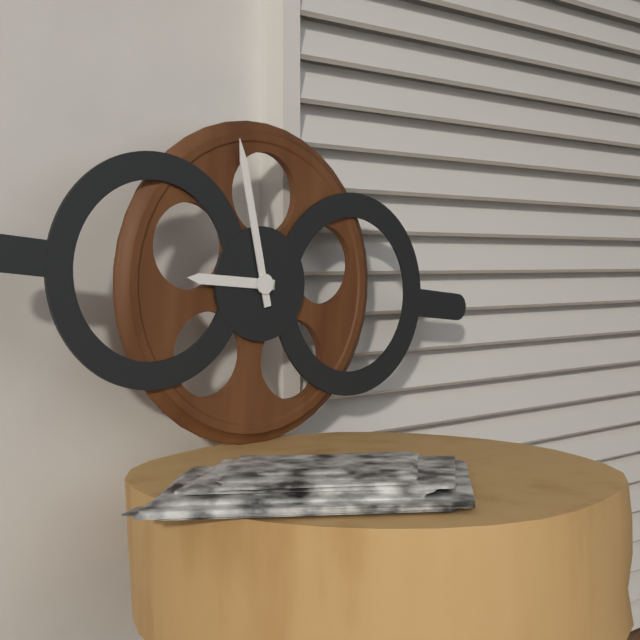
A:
8,57
